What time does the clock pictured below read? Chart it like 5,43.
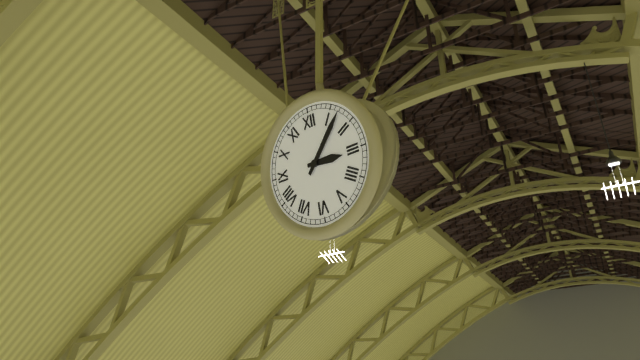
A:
3,07
